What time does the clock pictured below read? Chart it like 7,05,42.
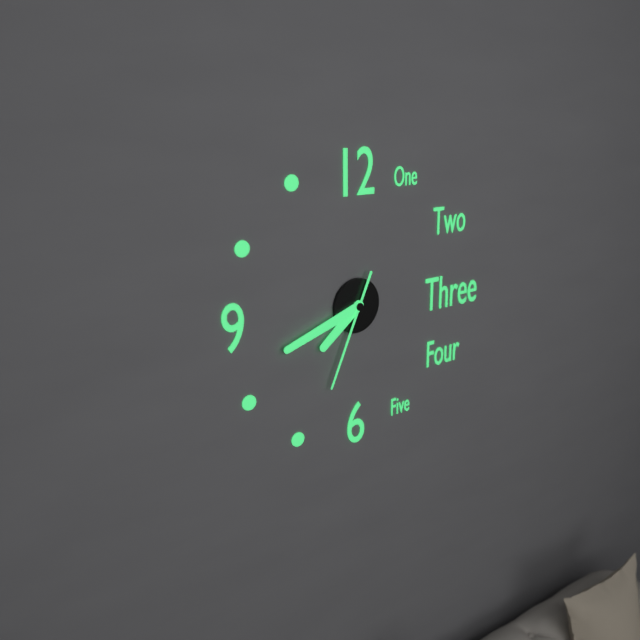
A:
7,42,34
